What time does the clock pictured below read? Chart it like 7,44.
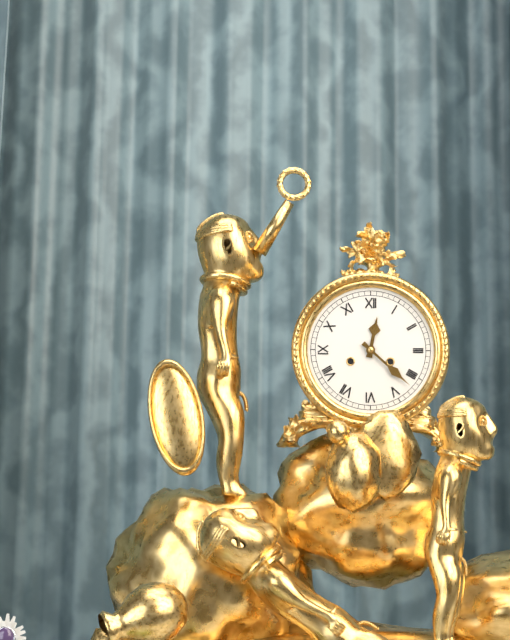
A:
12,22
